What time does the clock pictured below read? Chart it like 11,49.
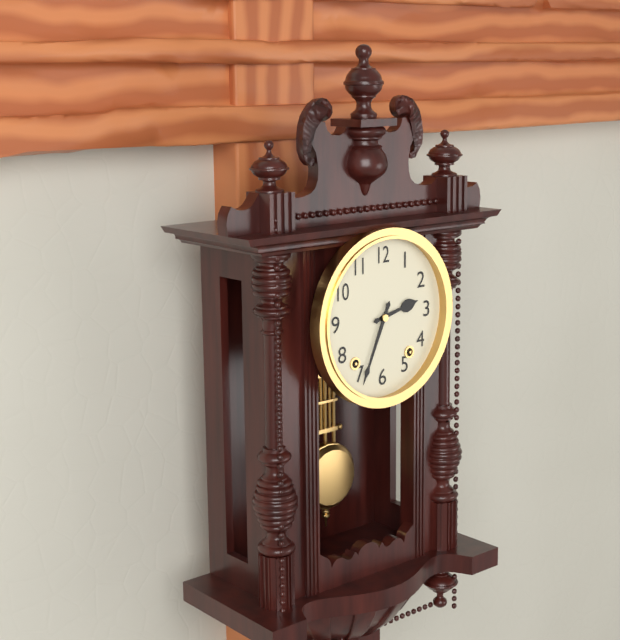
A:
2,34
